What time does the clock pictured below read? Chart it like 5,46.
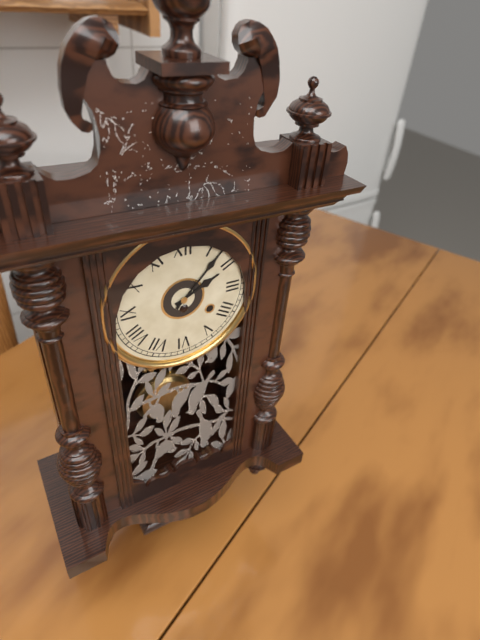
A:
2,07
